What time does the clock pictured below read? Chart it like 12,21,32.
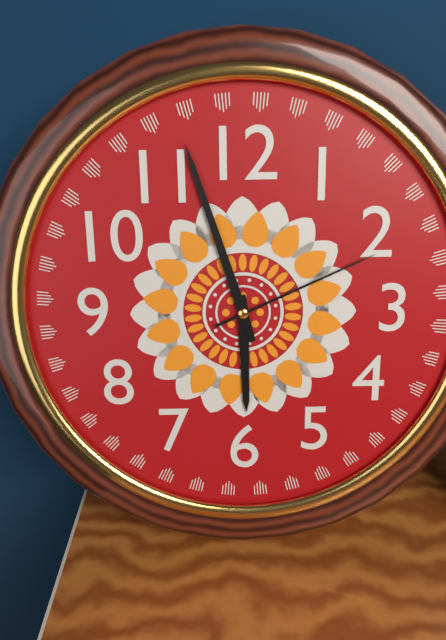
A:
5,57,11
